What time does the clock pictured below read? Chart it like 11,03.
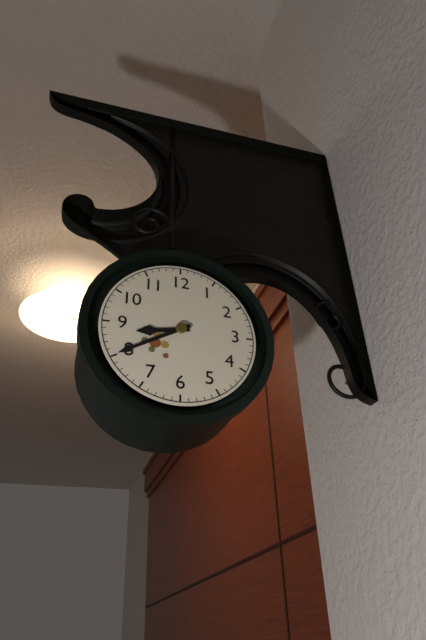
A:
8,40
